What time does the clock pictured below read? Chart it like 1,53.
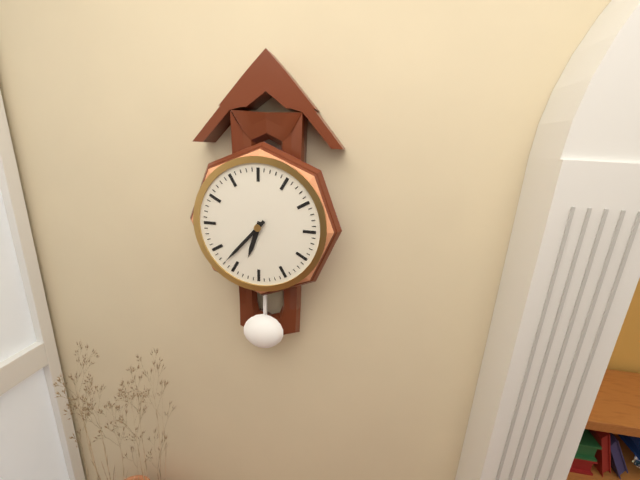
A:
6,37
